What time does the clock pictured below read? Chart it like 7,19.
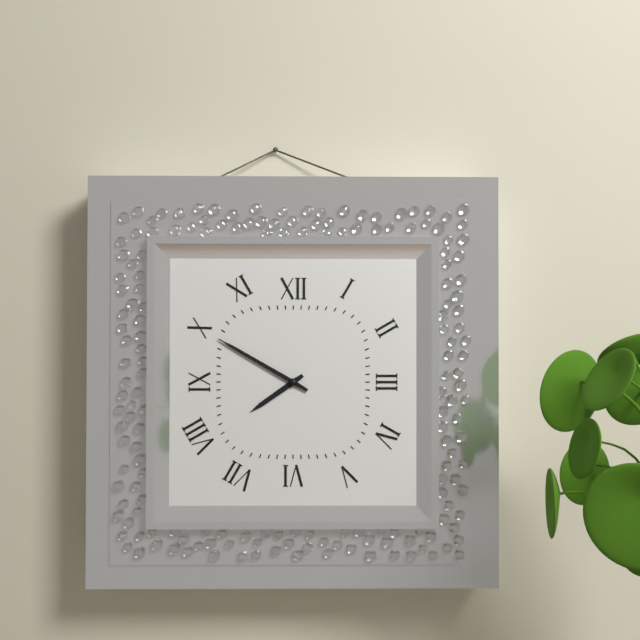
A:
7,50
